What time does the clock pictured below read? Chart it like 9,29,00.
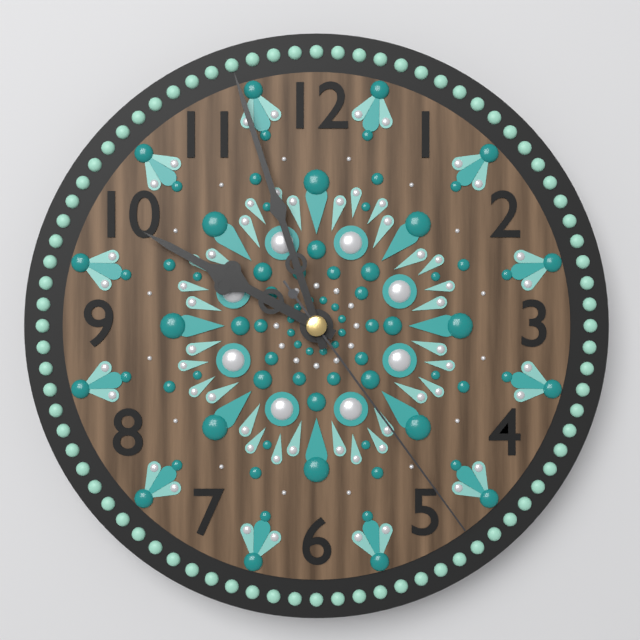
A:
9,57,24
